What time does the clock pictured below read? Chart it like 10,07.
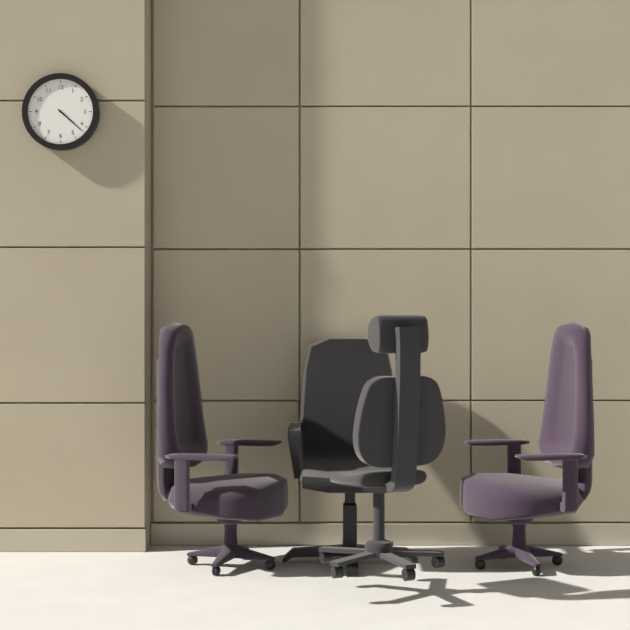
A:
4,22
